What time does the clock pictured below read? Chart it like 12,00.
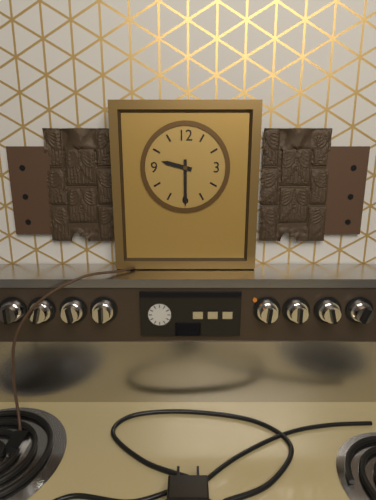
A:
9,30
